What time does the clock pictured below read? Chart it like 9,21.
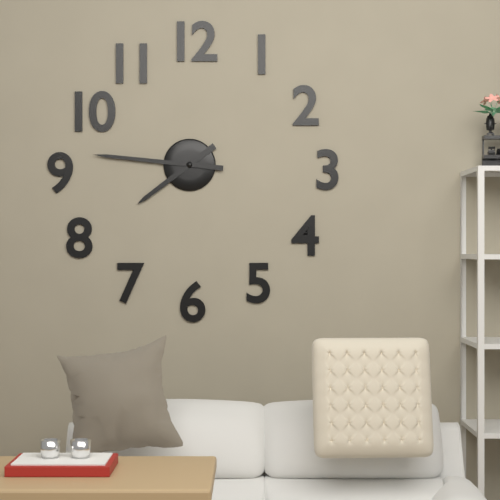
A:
7,46
